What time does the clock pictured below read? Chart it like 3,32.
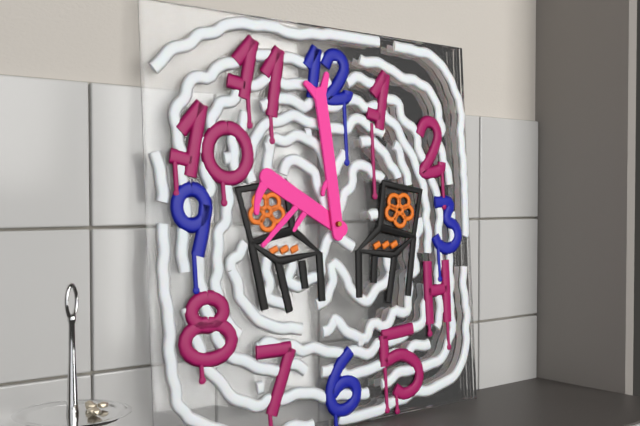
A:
9,59
